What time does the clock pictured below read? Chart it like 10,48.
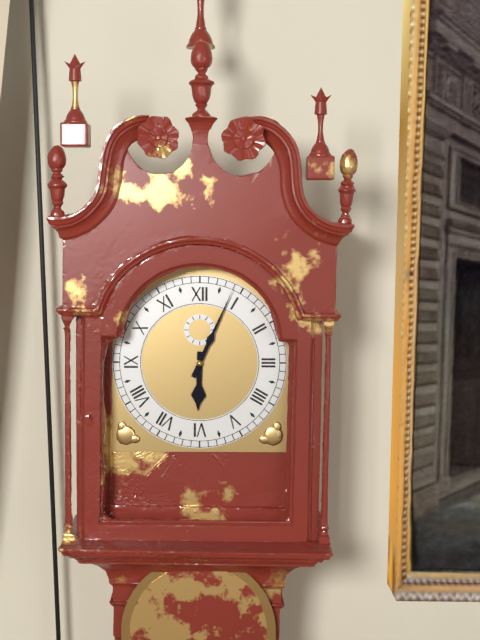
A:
6,04
